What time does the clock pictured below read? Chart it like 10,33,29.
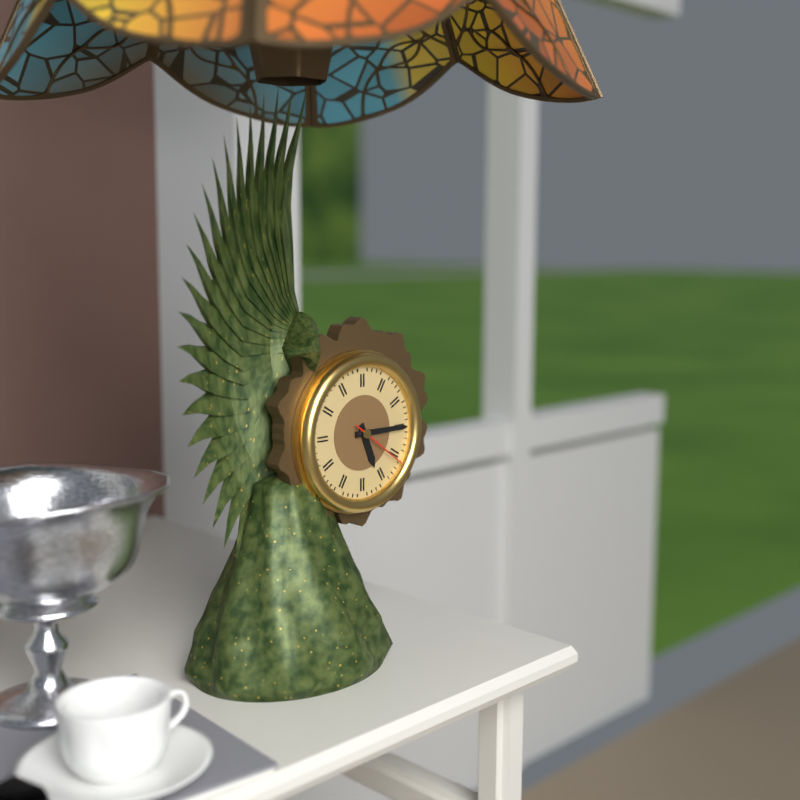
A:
5,15,21
